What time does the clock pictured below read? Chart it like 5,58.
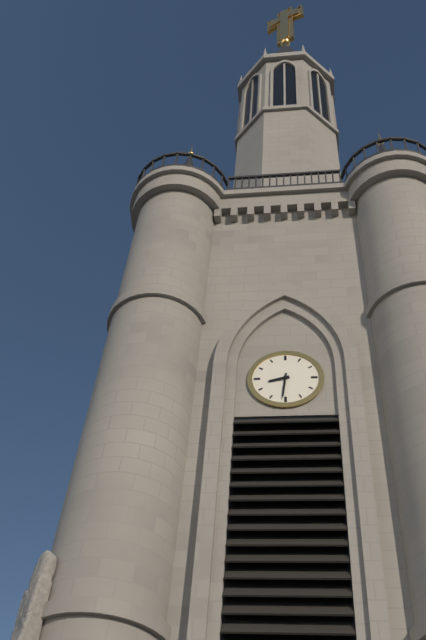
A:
8,31
